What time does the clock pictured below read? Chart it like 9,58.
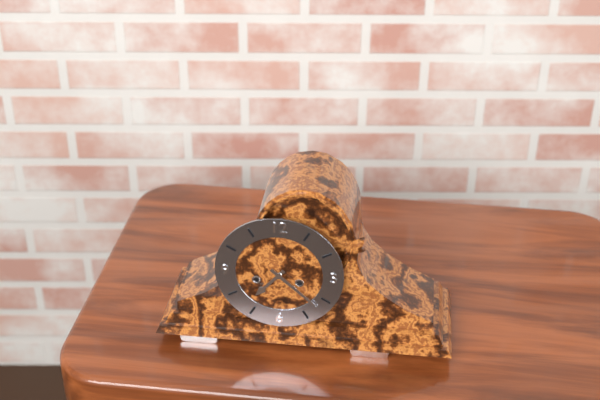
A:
7,22
